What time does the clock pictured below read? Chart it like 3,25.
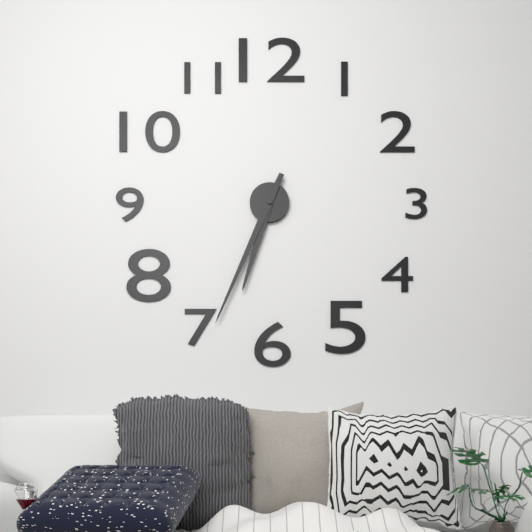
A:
6,34
